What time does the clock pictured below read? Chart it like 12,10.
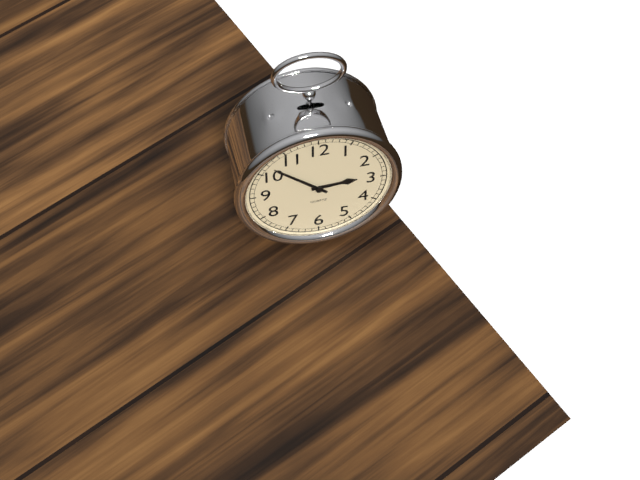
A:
2,52
